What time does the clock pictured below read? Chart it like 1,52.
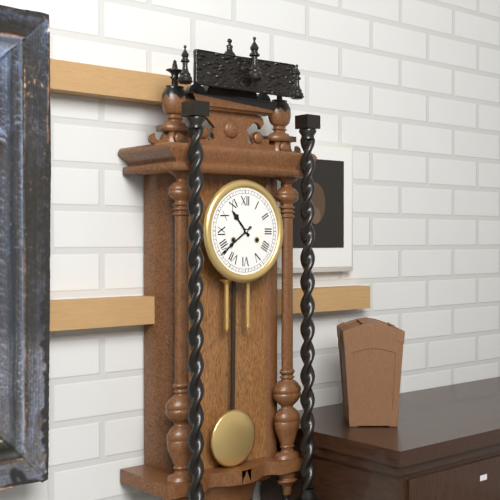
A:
10,39
